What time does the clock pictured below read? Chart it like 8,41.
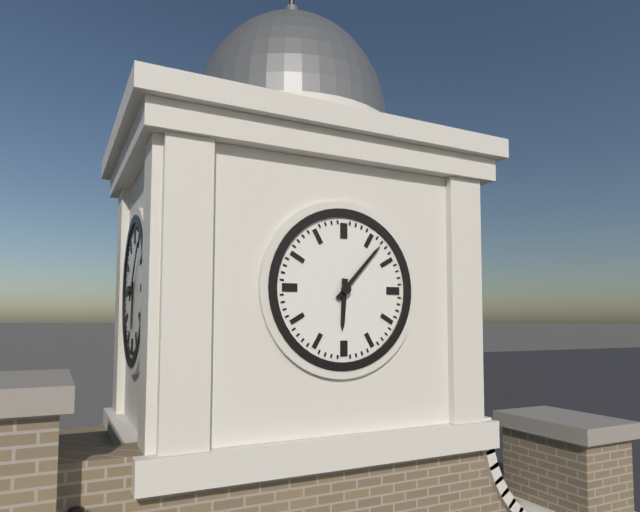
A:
6,07
